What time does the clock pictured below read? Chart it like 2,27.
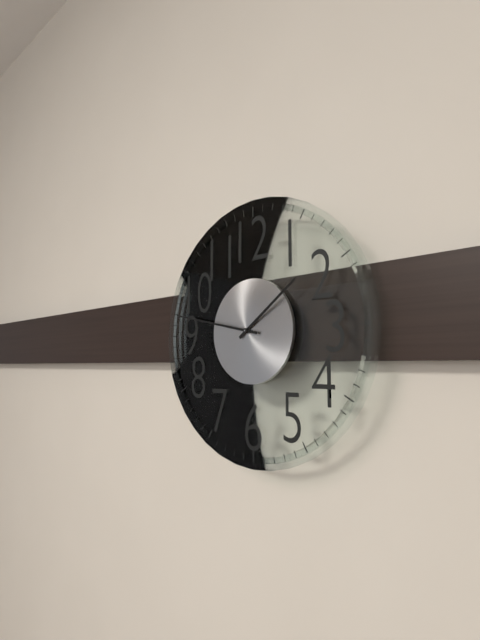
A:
1,47
